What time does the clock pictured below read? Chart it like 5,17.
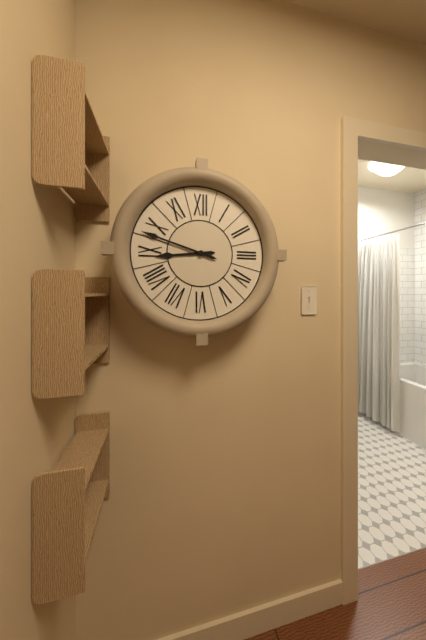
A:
8,48
